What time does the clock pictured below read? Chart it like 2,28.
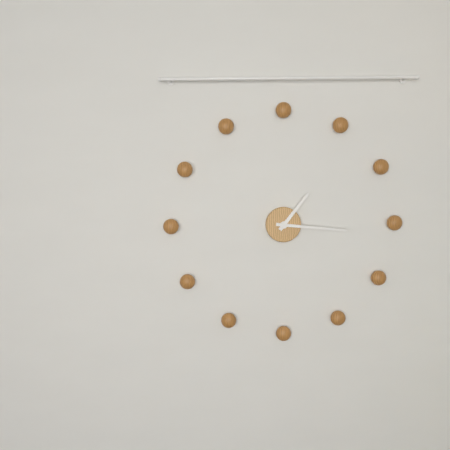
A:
1,16
